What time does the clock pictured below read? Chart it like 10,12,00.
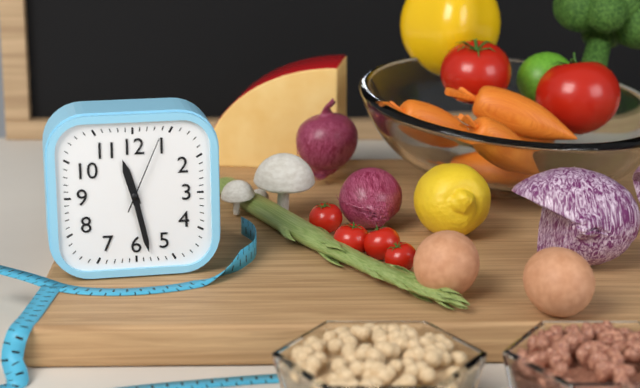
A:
11,28,04
